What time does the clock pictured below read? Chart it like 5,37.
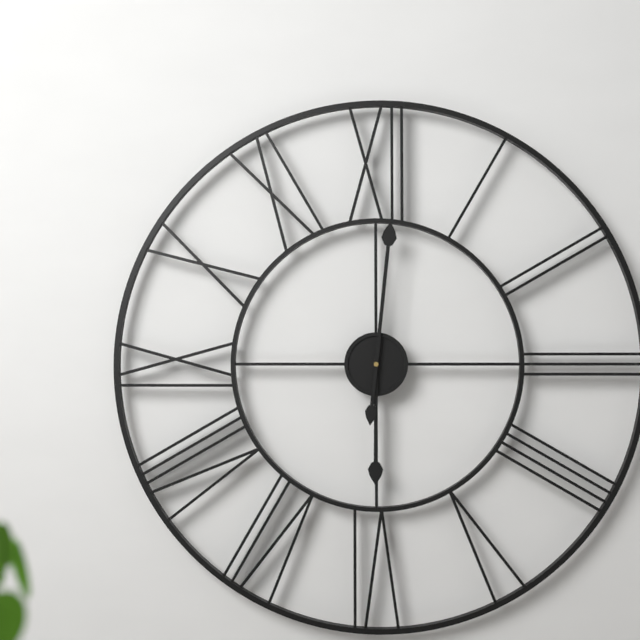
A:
6,01
